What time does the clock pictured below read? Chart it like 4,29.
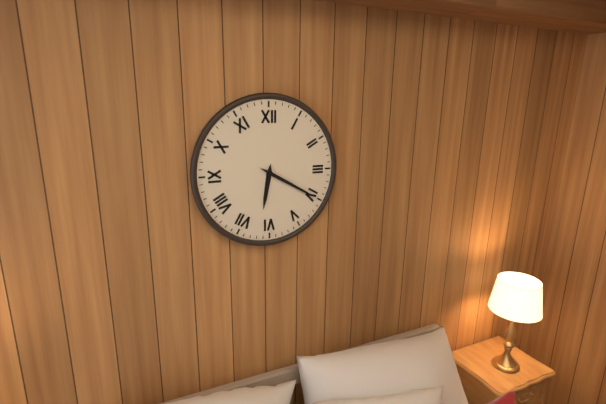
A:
6,20
